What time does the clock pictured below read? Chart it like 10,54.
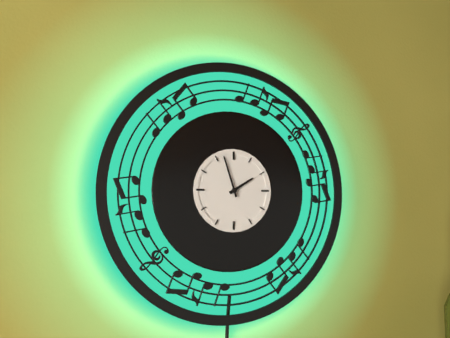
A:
1,57
